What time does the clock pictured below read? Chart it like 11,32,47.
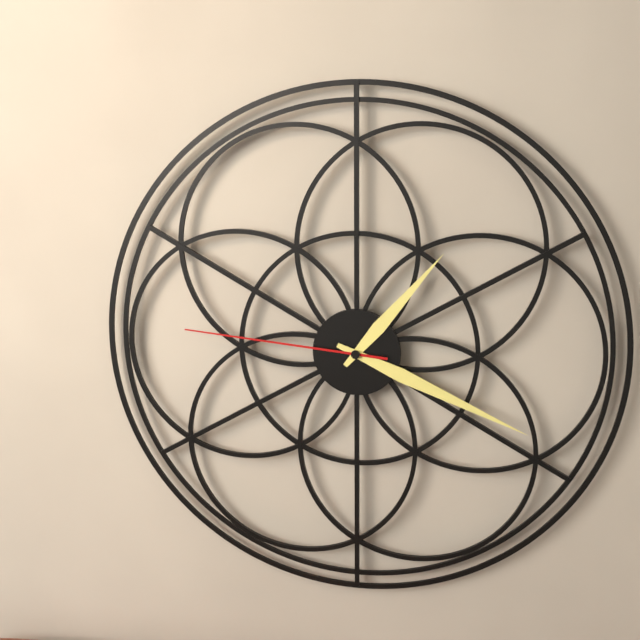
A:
1,19,46
